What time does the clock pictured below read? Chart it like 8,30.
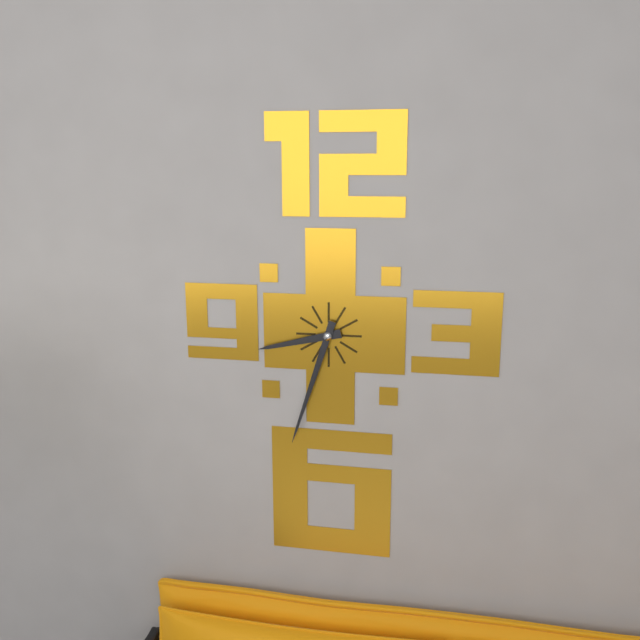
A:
8,33
